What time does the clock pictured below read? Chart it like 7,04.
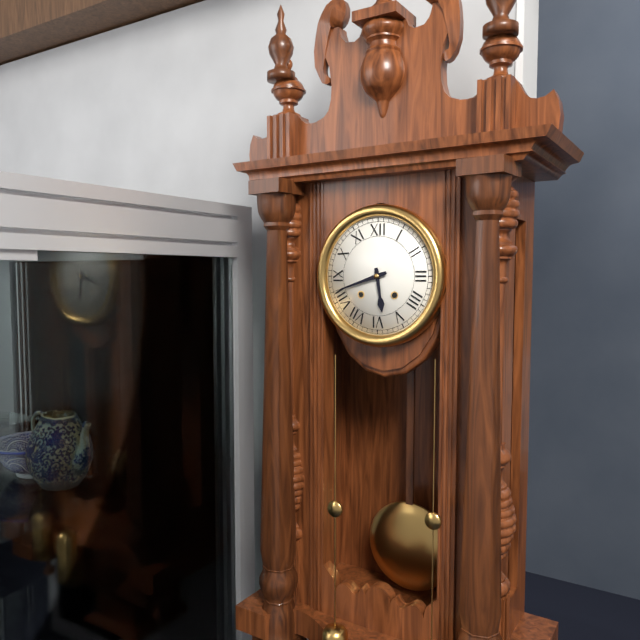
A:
5,42
